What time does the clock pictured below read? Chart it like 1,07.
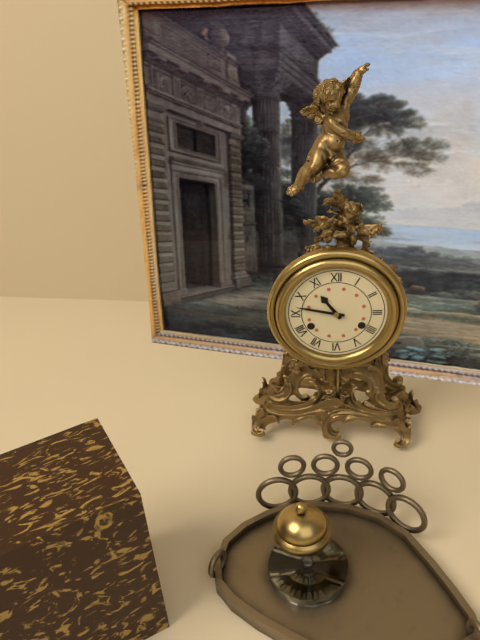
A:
10,47
